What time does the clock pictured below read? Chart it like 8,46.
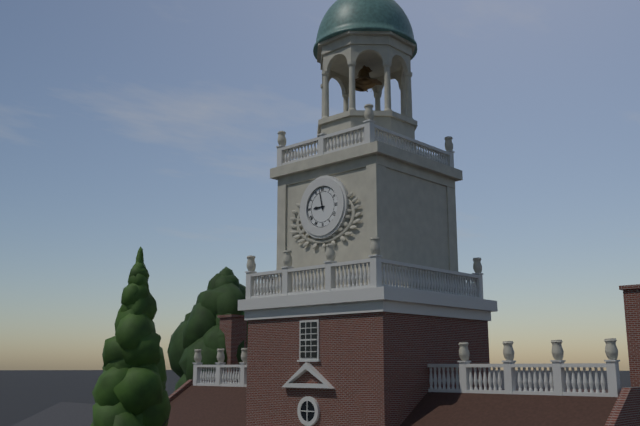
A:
8,58
